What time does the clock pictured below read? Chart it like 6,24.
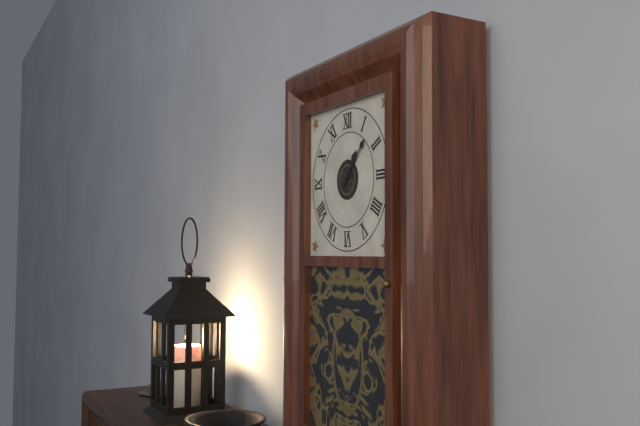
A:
1,07
